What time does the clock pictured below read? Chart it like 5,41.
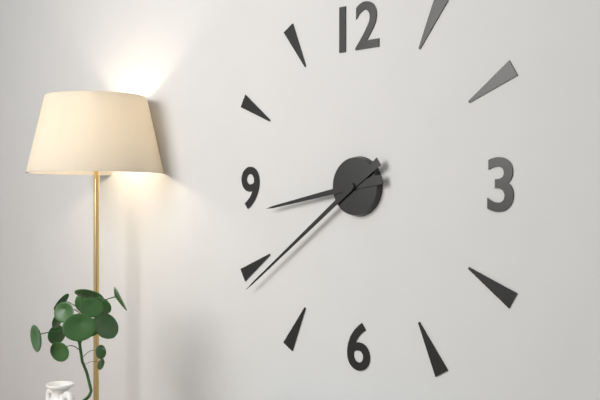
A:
8,39
